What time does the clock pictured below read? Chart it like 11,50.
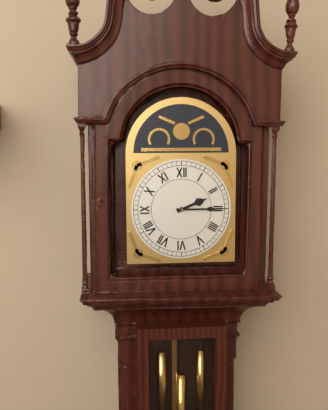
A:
2,15
